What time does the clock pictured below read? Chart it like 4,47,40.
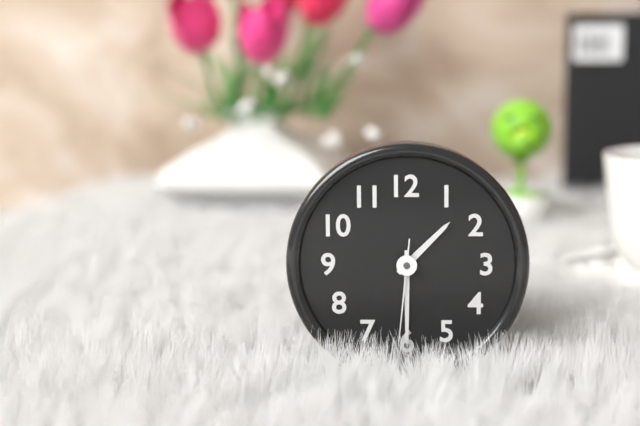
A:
1,30,31
